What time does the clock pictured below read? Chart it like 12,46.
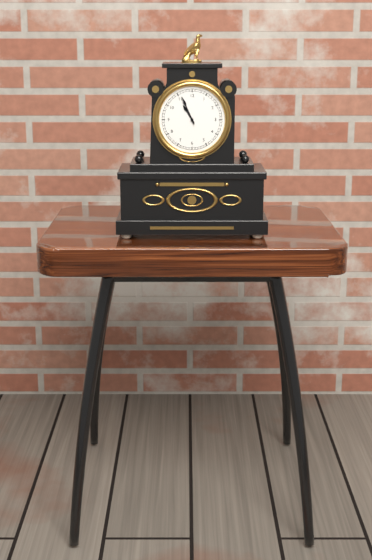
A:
10,56
